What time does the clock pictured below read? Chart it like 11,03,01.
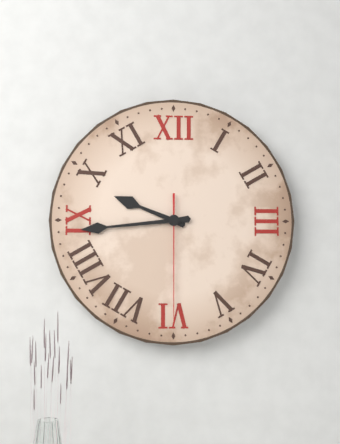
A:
9,44,30
